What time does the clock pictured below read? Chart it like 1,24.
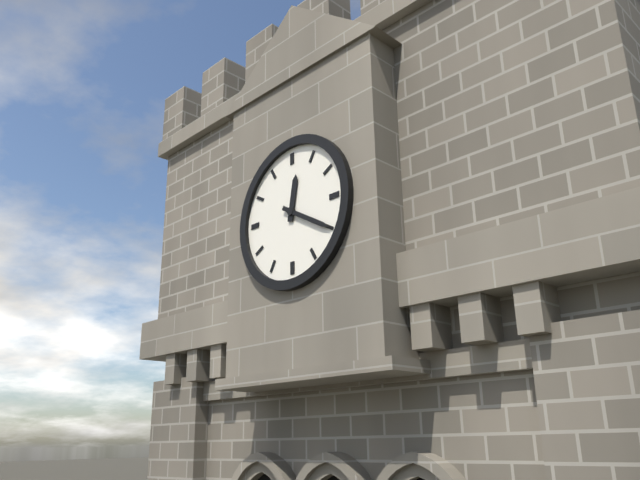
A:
12,20
